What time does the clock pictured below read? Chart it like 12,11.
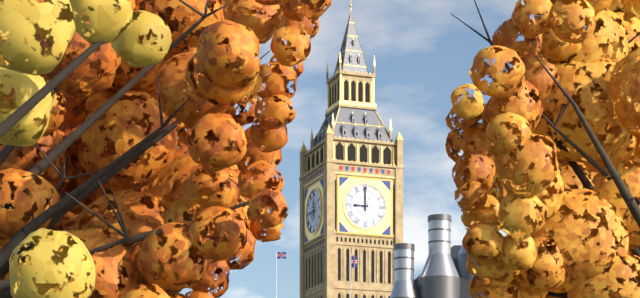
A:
9,00
